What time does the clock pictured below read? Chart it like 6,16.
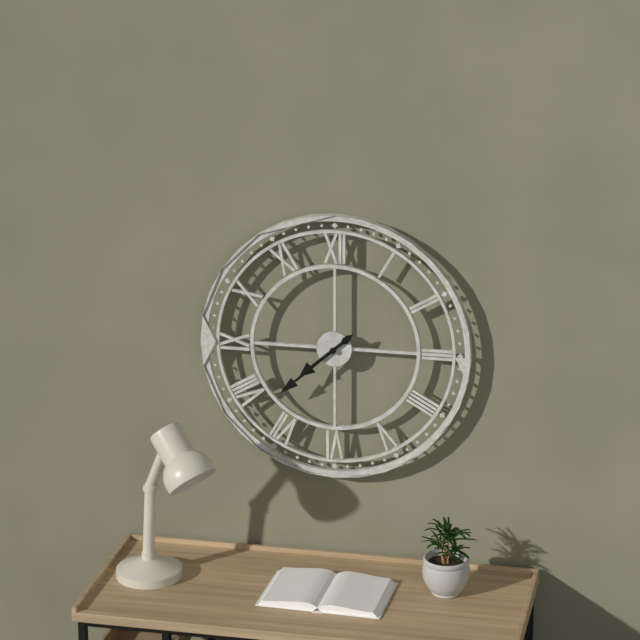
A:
7,38
